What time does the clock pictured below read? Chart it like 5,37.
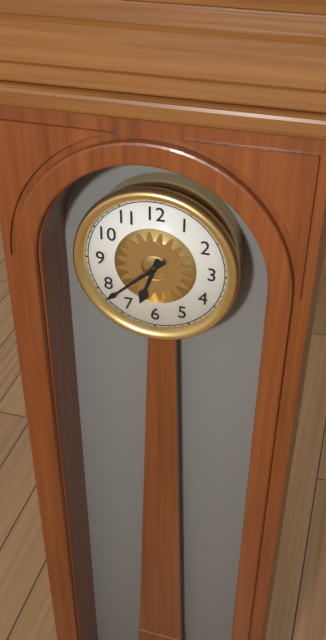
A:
6,38
